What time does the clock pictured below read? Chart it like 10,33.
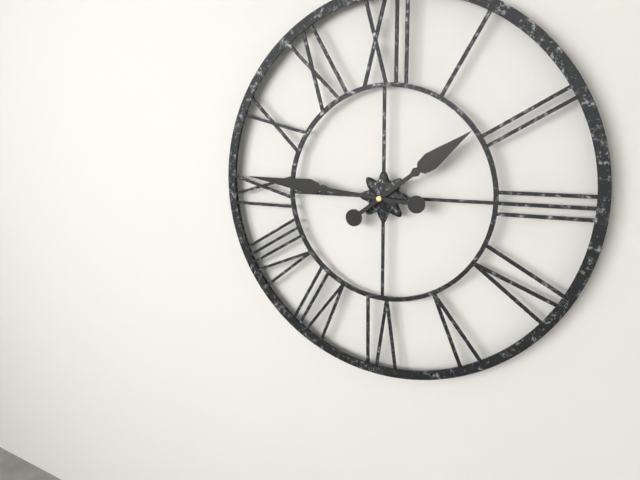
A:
1,46
